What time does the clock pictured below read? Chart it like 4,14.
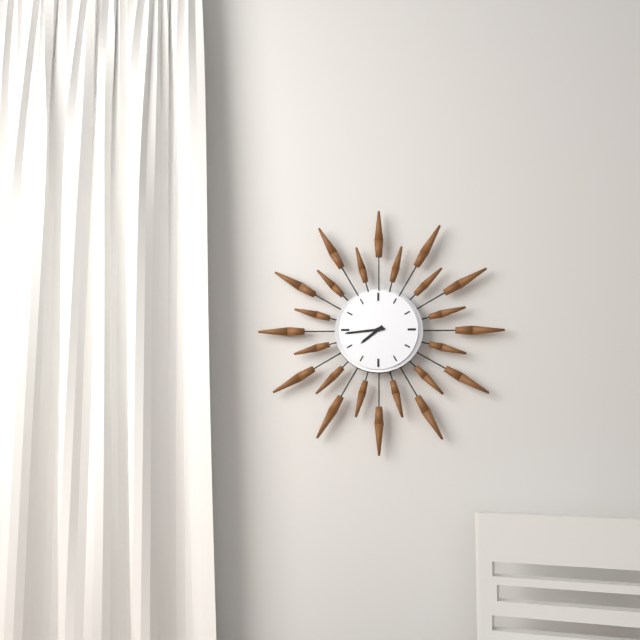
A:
7,44
